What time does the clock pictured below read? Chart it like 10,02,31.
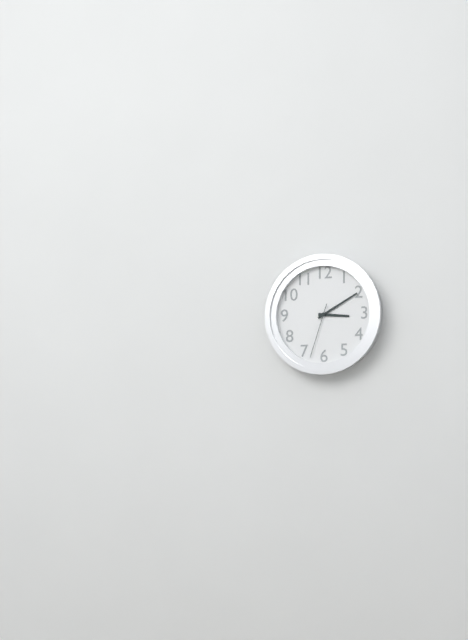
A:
3,10,33
